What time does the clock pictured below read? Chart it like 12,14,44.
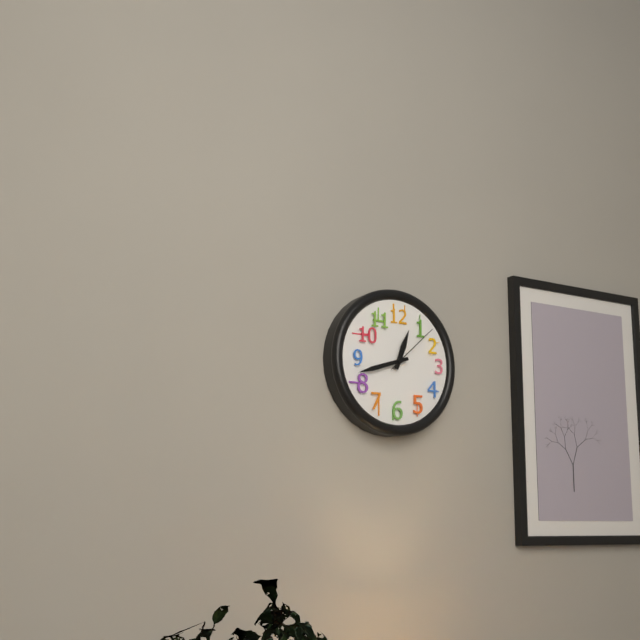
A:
12,42,08
